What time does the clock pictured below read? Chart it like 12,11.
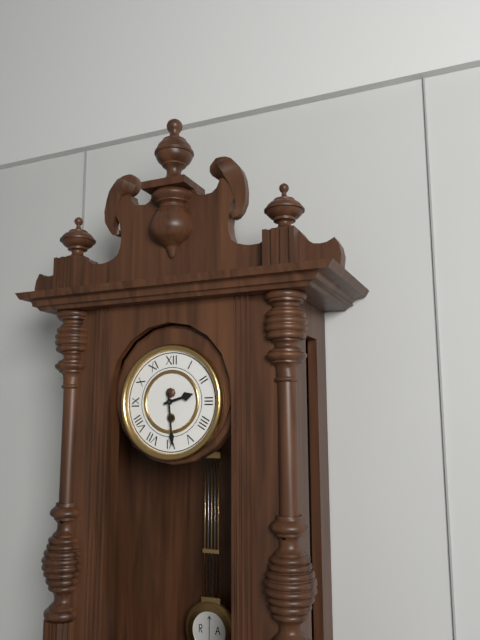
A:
2,29
